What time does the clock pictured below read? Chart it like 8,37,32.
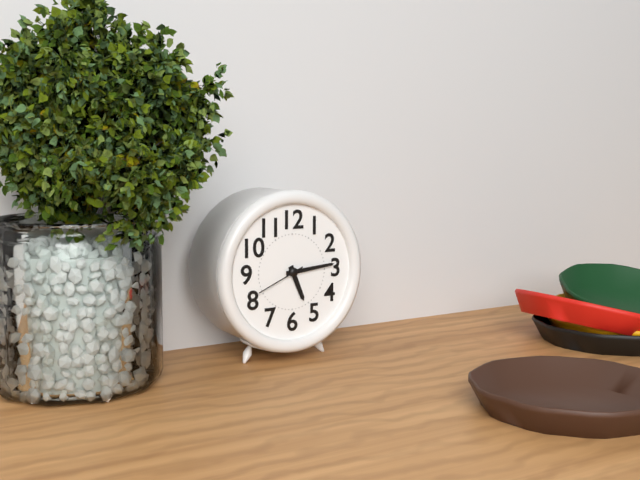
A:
5,14,41
